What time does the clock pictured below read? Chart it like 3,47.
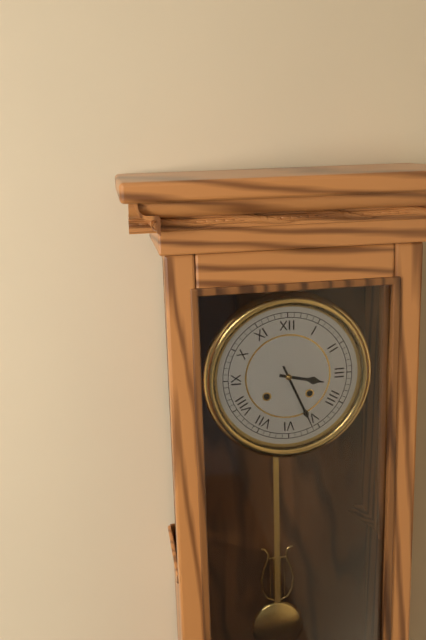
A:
3,26
